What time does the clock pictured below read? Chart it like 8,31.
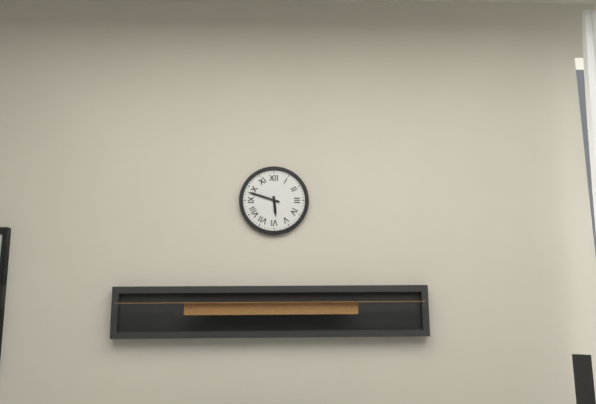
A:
5,48
